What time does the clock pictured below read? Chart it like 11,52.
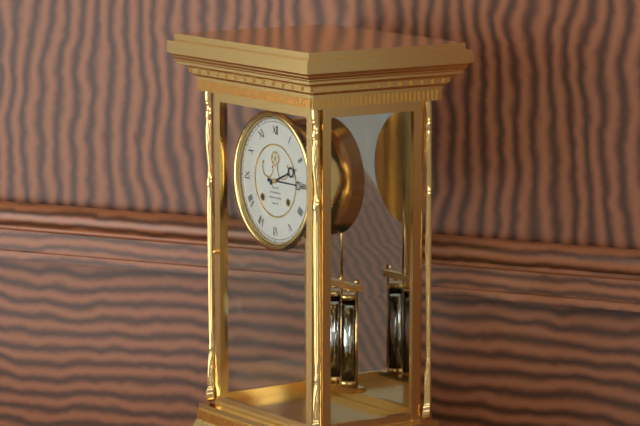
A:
2,15
